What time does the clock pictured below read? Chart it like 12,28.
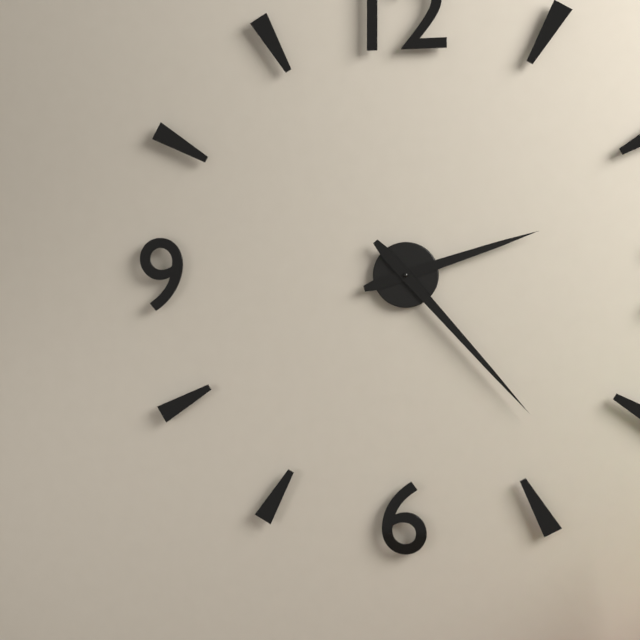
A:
2,23
